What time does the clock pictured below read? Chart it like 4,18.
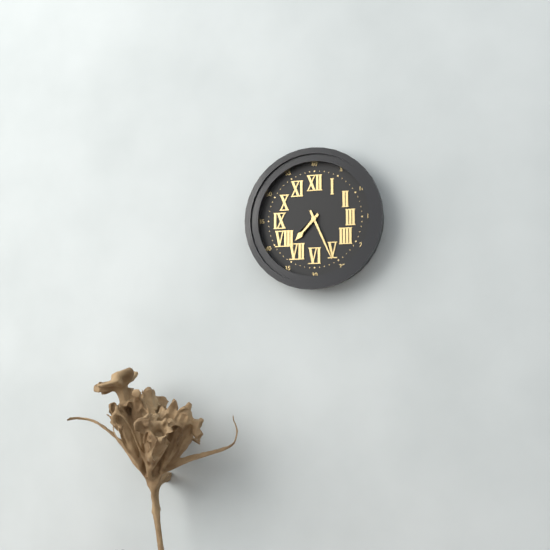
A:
7,26
